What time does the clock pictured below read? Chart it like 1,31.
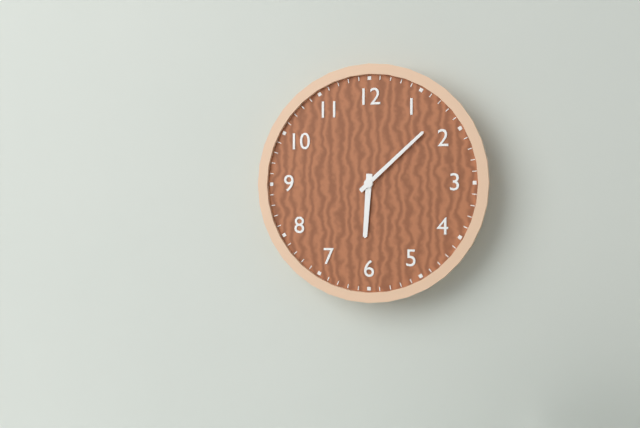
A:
6,08
